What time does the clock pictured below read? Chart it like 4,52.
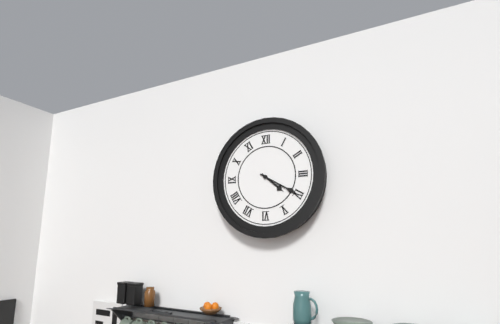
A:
4,20
